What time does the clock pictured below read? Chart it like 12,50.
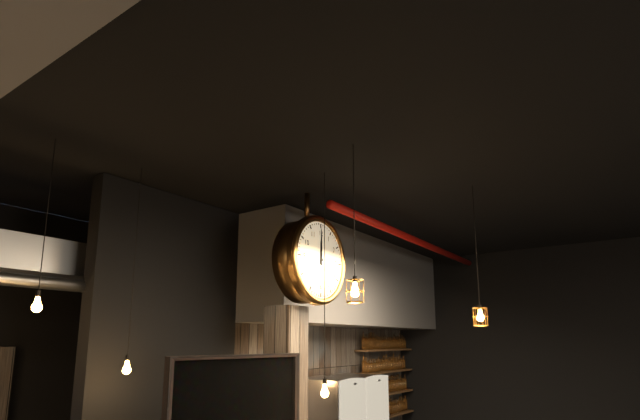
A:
12,00
